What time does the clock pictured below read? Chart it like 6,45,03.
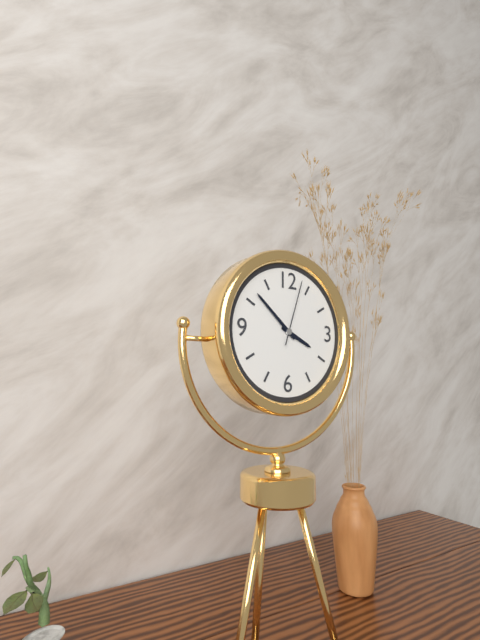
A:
3,52,03
